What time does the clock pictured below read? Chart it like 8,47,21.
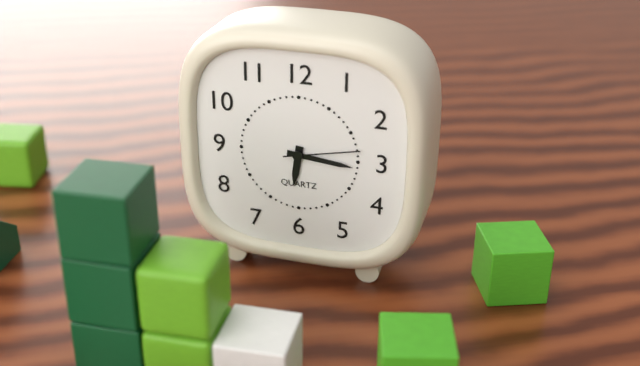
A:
6,16,13
